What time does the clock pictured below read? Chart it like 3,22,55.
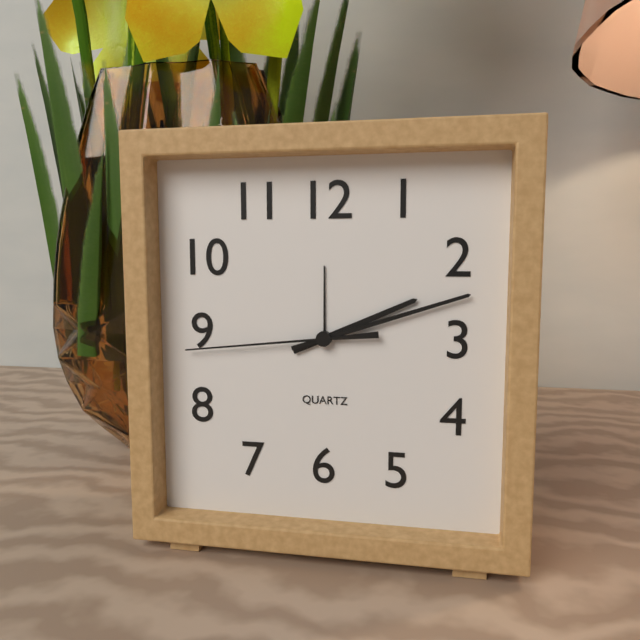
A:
2,12,44
